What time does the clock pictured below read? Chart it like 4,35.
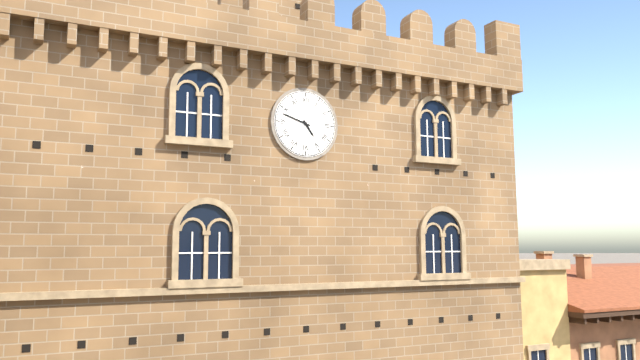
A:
4,48
